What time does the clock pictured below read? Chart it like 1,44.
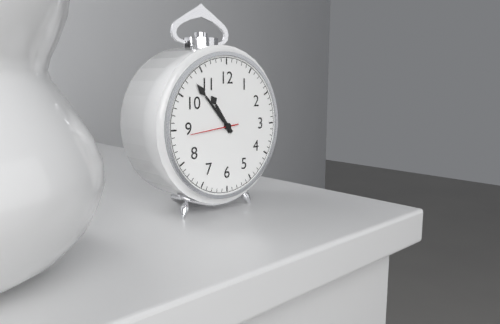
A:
10,53
